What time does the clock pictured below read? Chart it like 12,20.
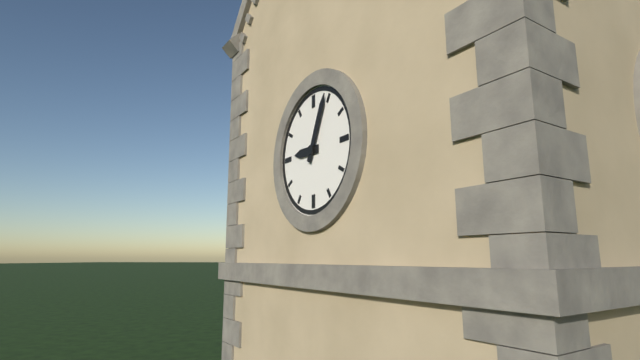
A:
9,04
